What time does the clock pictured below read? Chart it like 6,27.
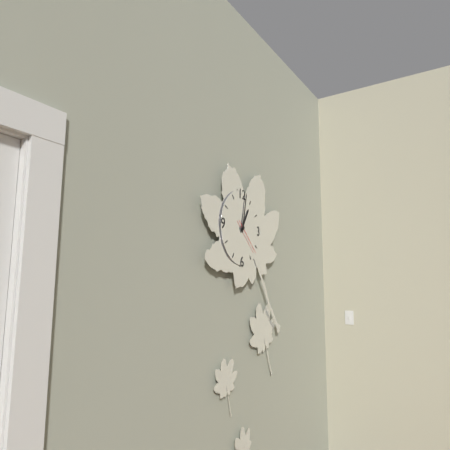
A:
1,02
